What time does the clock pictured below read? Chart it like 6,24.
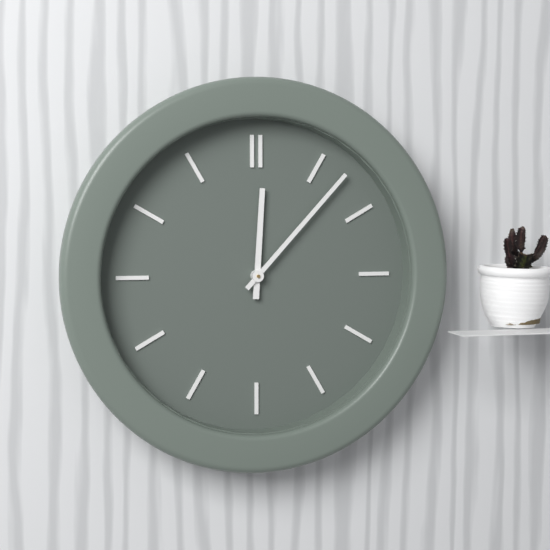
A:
12,07
